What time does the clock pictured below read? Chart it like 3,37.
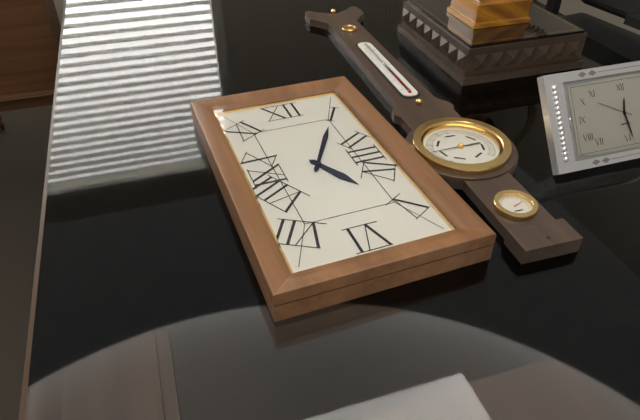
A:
5,05
